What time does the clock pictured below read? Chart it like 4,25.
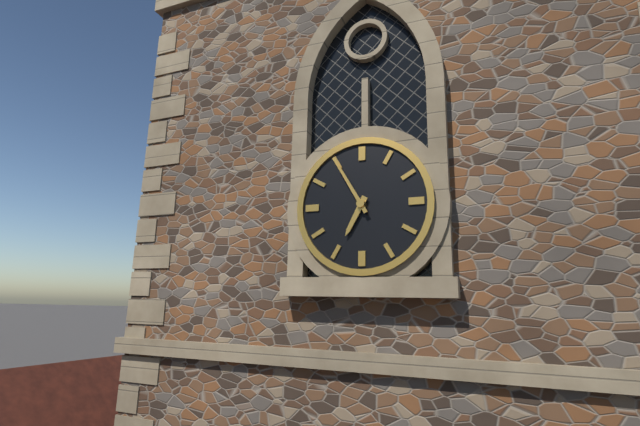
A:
6,55
